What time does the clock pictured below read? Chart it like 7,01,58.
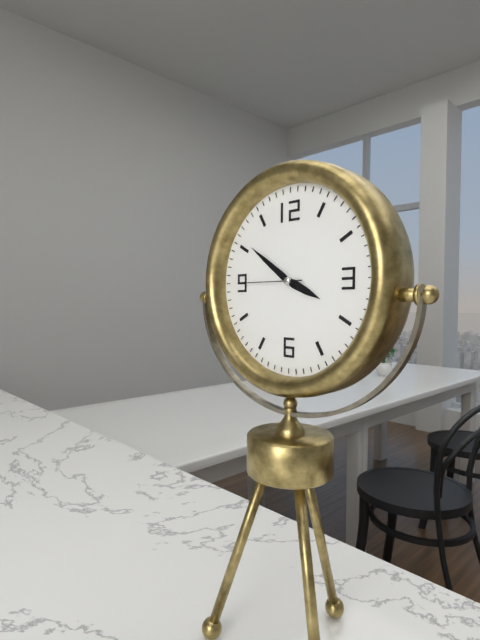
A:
3,51,45
